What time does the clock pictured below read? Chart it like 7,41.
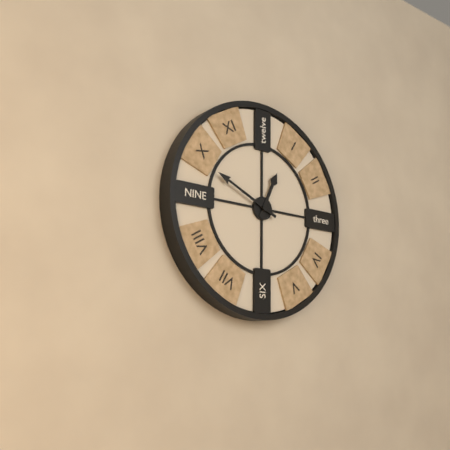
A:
12,49
